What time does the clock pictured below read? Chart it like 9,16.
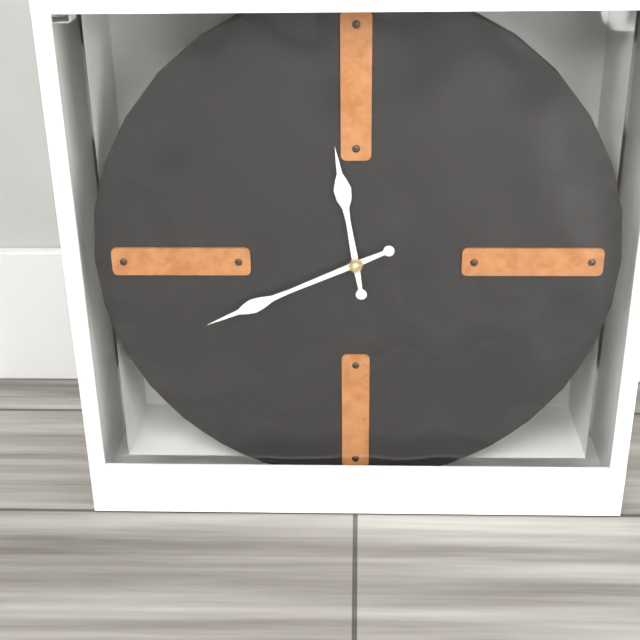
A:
11,41
